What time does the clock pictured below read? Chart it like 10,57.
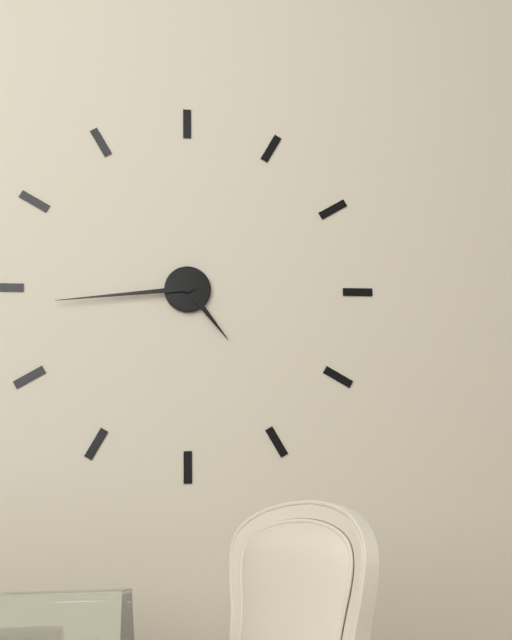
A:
4,44
